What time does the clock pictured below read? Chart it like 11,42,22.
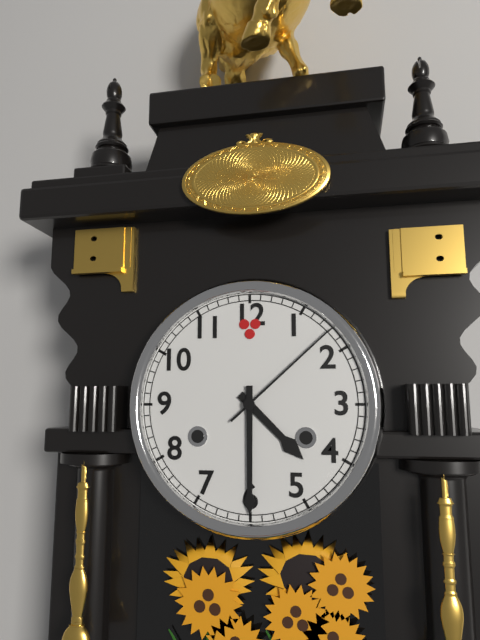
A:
4,30,08
